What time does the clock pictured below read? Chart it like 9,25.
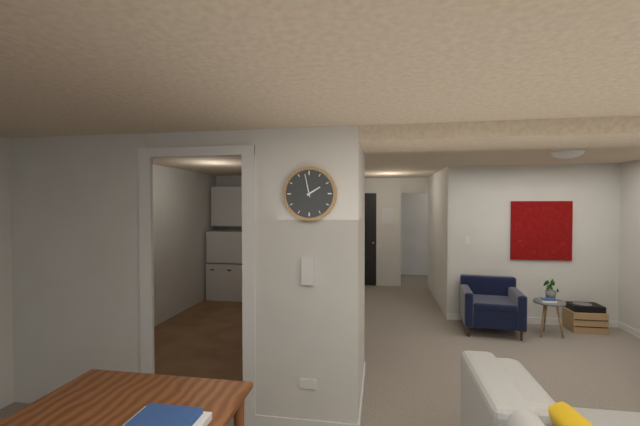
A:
1,58
